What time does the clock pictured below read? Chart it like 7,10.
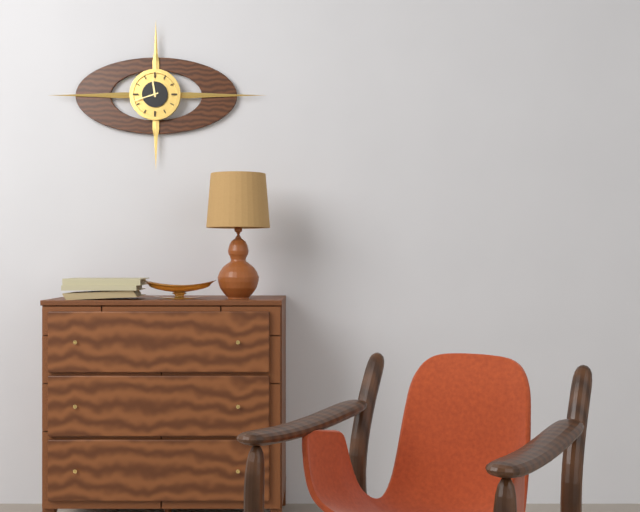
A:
11,42
